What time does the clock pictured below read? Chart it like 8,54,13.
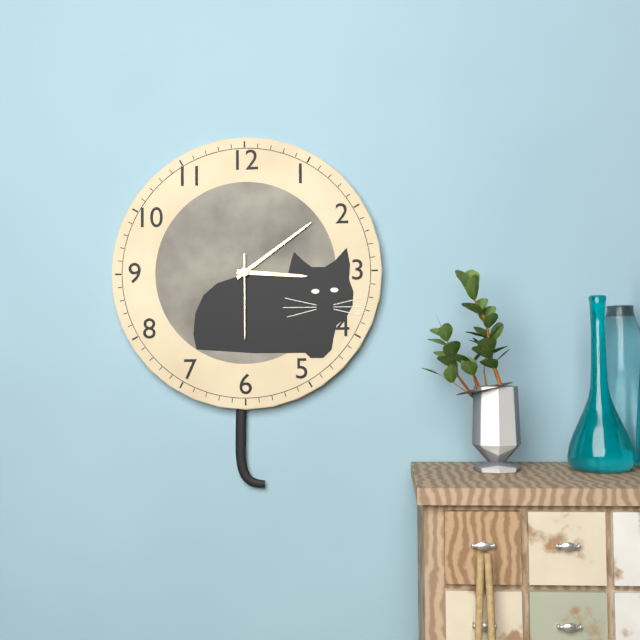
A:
3,09,30
